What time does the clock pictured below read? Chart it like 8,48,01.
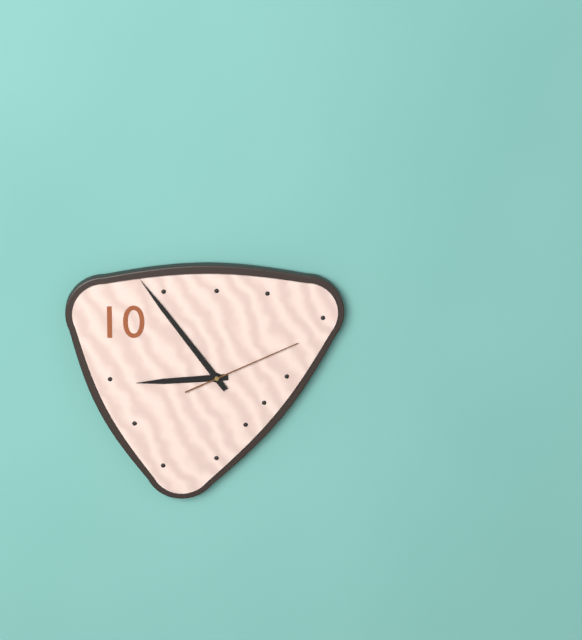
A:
8,54,11
